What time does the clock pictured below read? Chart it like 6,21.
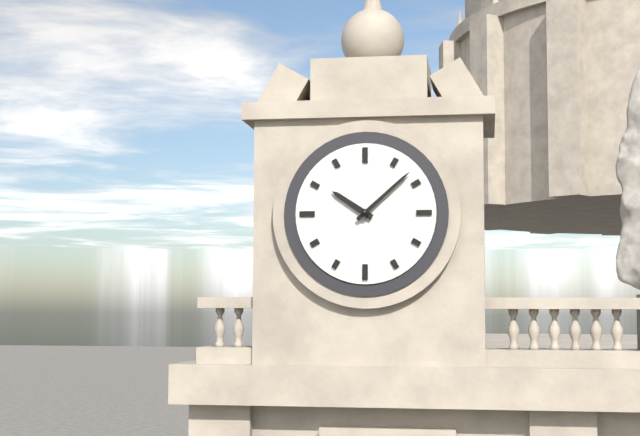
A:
10,08
